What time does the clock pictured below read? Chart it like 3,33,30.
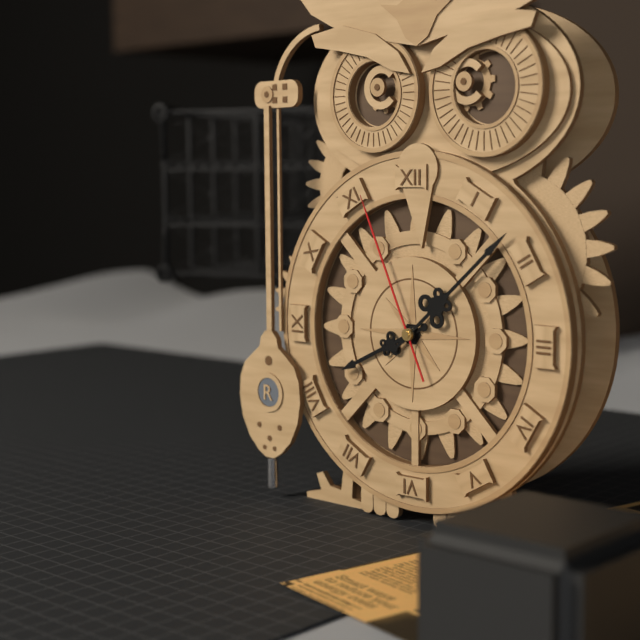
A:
8,08,56
